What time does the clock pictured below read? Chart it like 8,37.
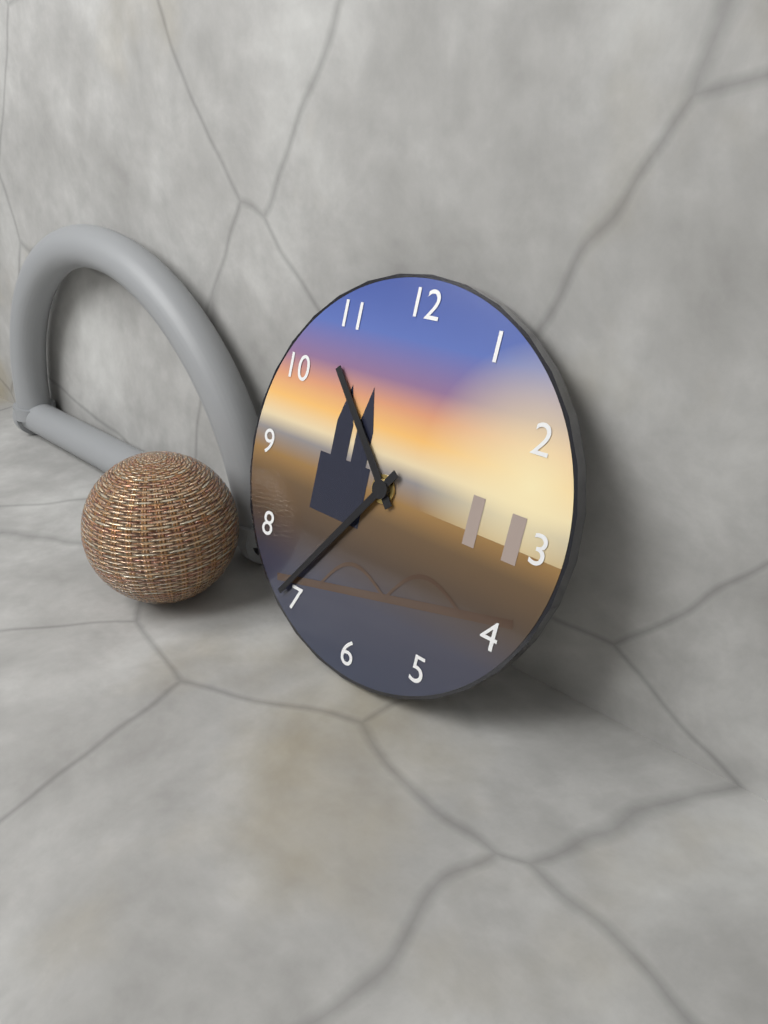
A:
10,36
